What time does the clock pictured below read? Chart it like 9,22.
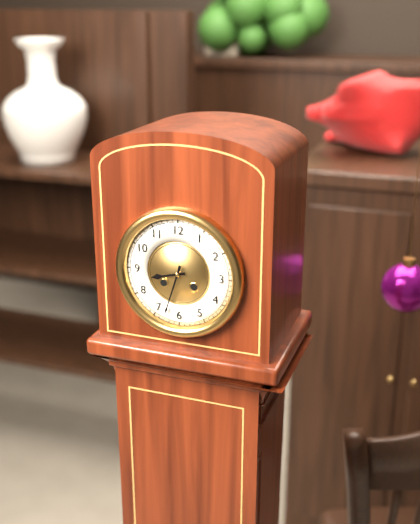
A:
8,33
